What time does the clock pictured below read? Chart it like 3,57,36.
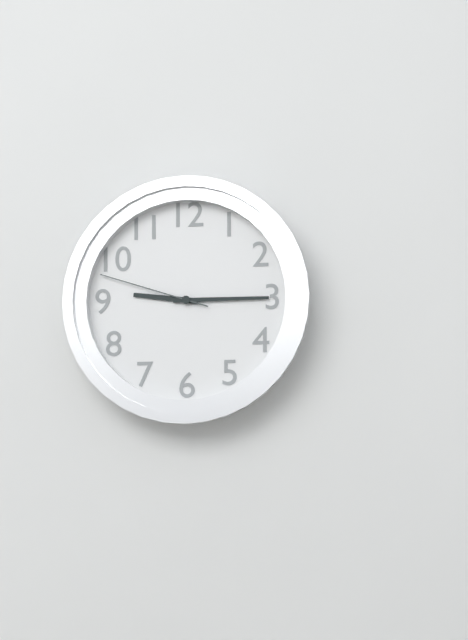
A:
9,15,48
